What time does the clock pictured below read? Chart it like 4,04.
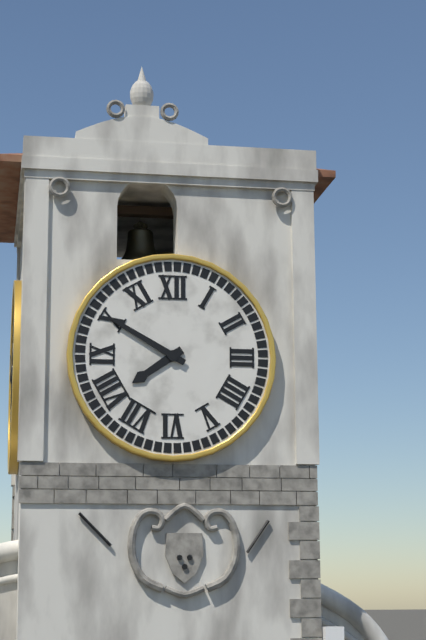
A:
7,50
